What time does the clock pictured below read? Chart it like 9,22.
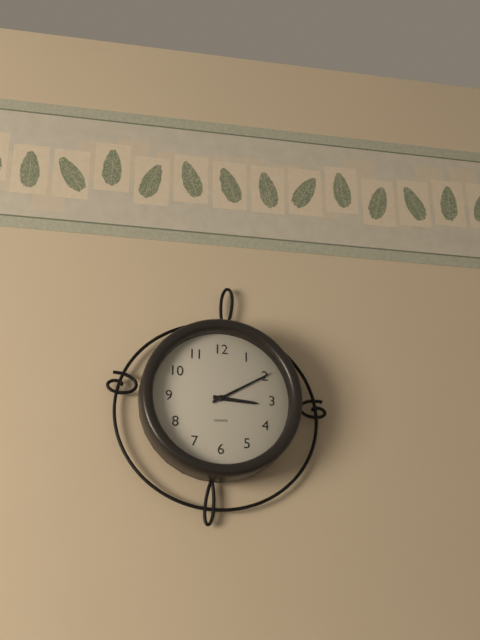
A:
3,10
